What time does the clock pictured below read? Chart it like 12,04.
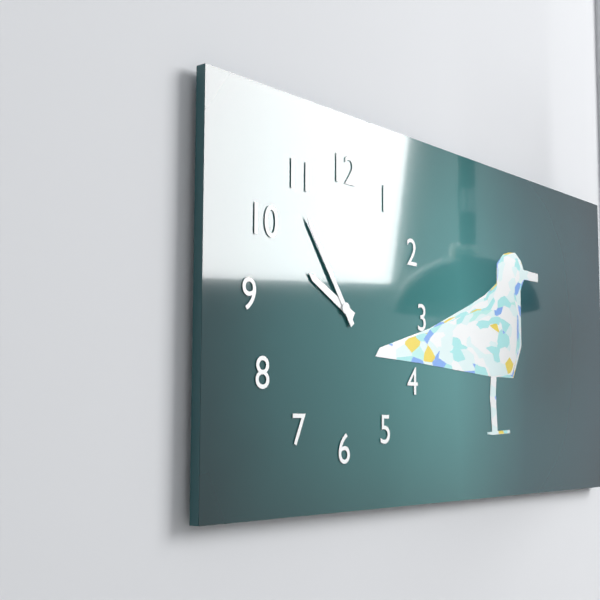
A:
9,54
